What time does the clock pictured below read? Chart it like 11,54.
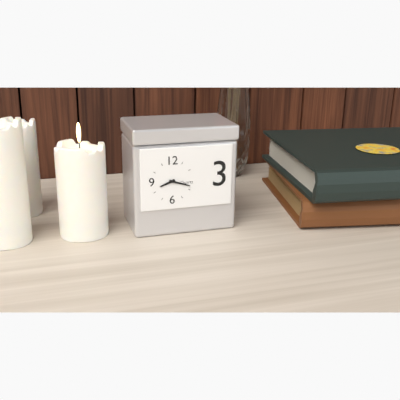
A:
8,18
